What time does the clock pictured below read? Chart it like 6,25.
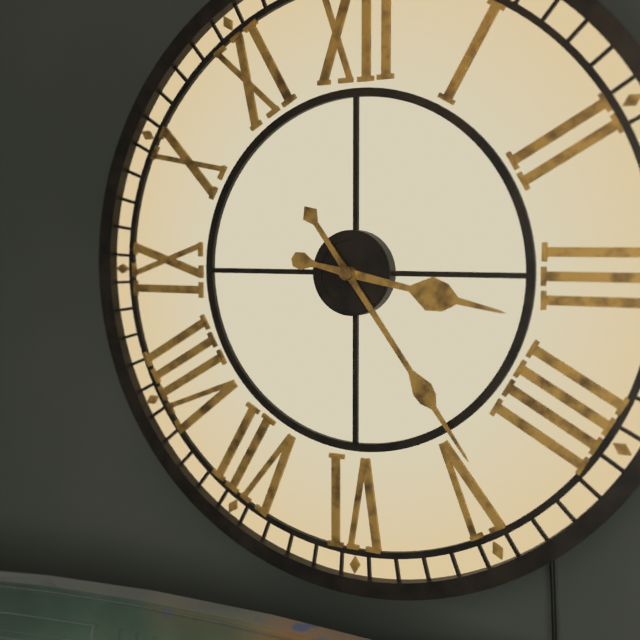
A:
3,24
